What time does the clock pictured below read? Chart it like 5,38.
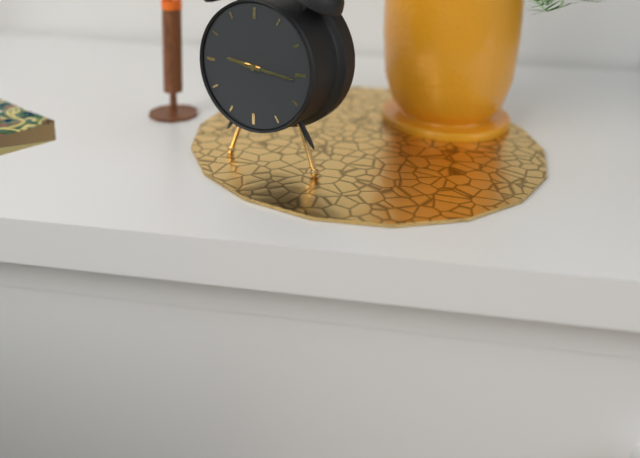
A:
9,16
